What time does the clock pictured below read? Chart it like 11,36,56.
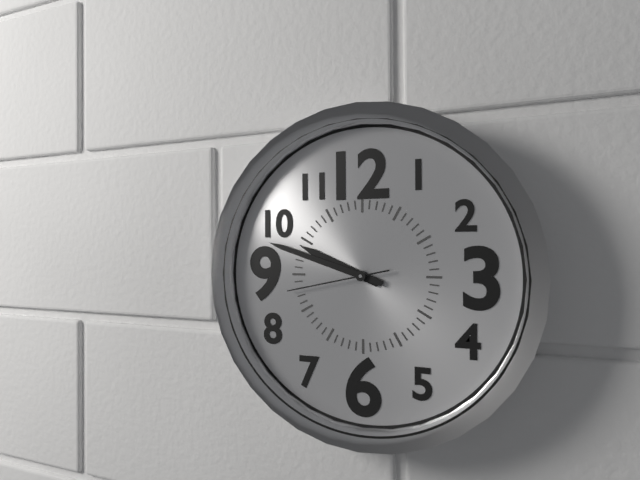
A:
9,48,43
